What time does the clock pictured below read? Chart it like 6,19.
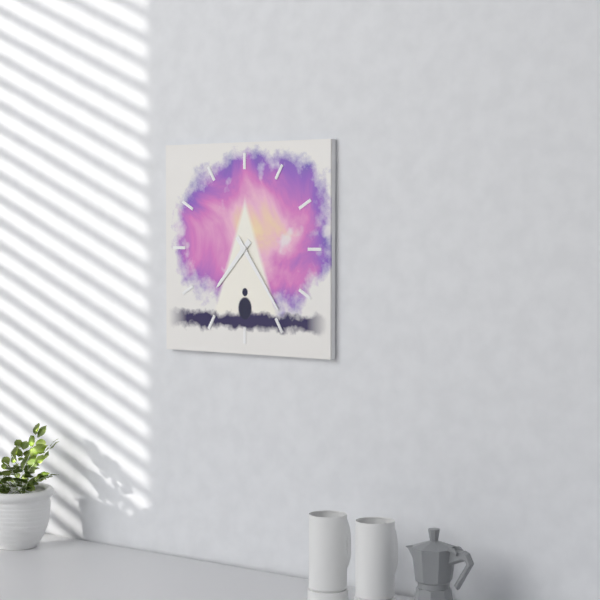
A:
7,24
